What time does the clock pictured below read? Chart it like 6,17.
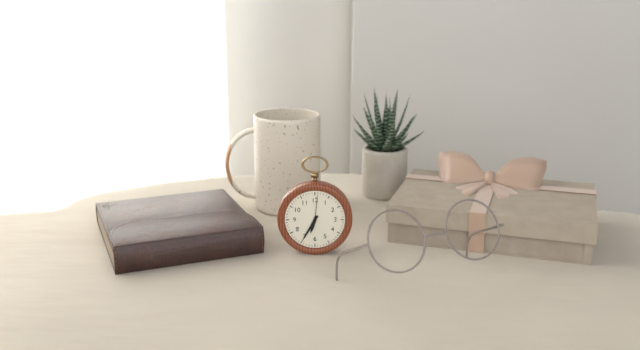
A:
6,35
